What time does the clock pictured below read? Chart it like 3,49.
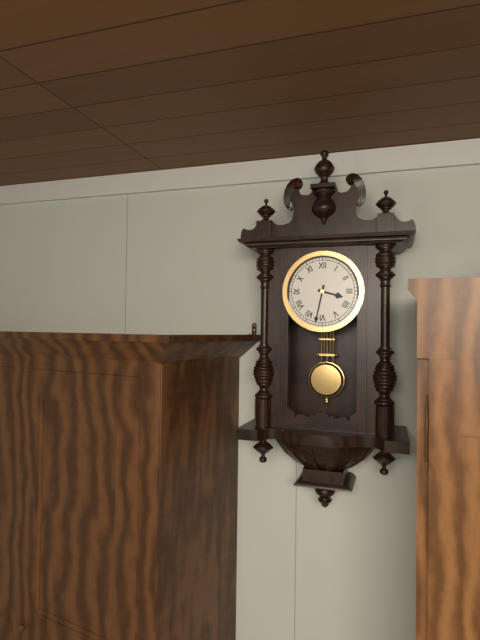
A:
3,32
